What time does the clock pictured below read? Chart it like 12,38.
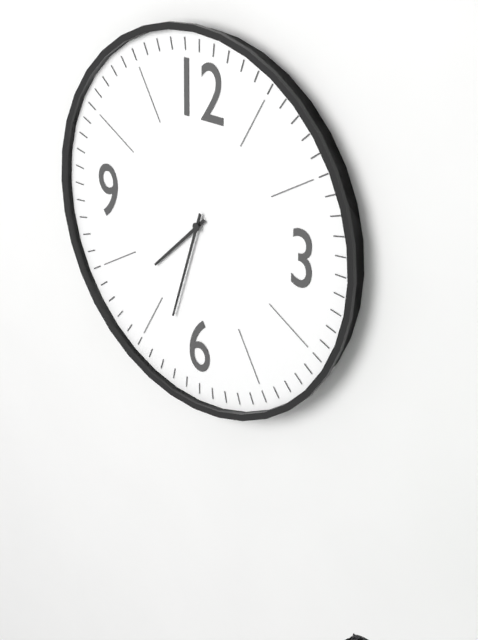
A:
7,33
